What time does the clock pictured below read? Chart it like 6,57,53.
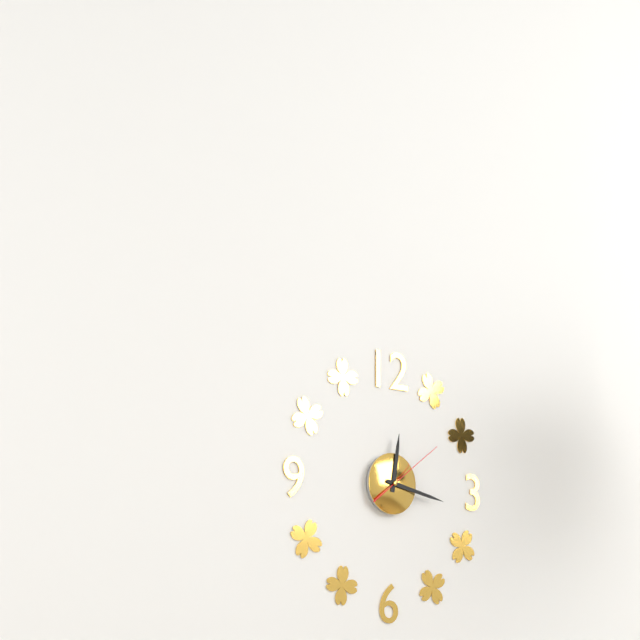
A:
12,17,09
